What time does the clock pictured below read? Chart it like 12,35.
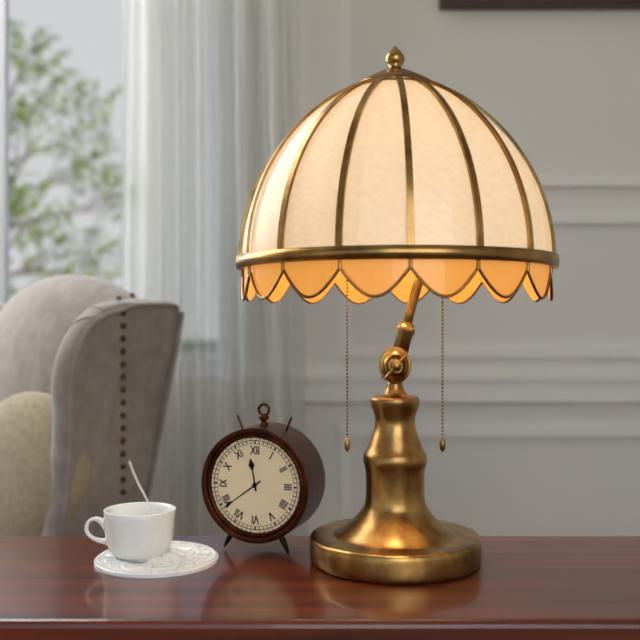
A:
11,39
